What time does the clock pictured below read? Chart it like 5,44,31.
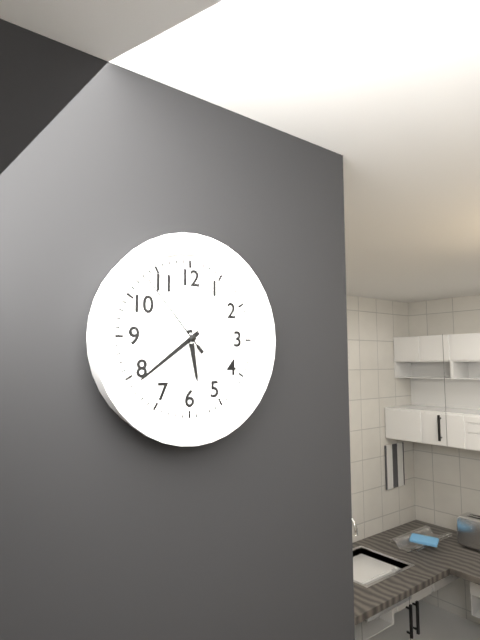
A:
5,39,53
